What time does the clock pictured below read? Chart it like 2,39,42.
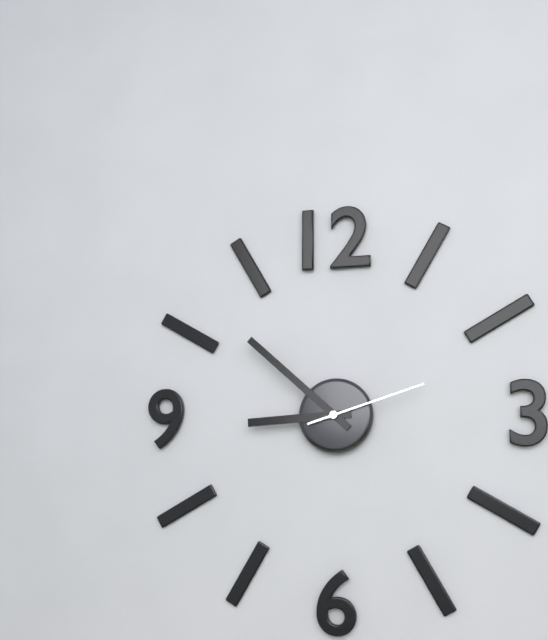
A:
8,52,12
